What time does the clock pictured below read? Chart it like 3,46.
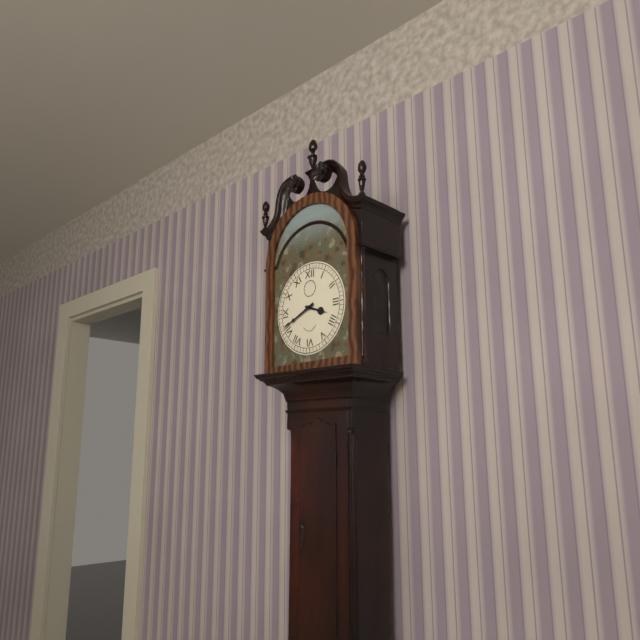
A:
3,41
